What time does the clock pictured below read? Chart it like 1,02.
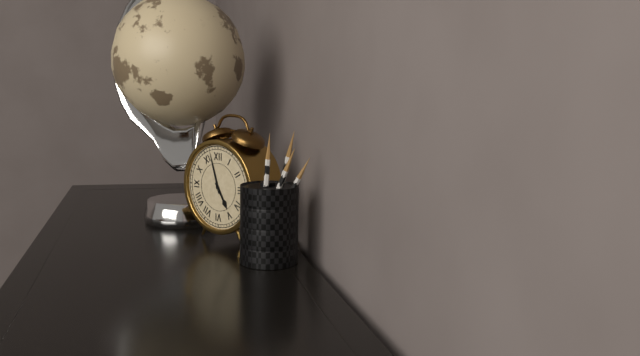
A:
4,57
